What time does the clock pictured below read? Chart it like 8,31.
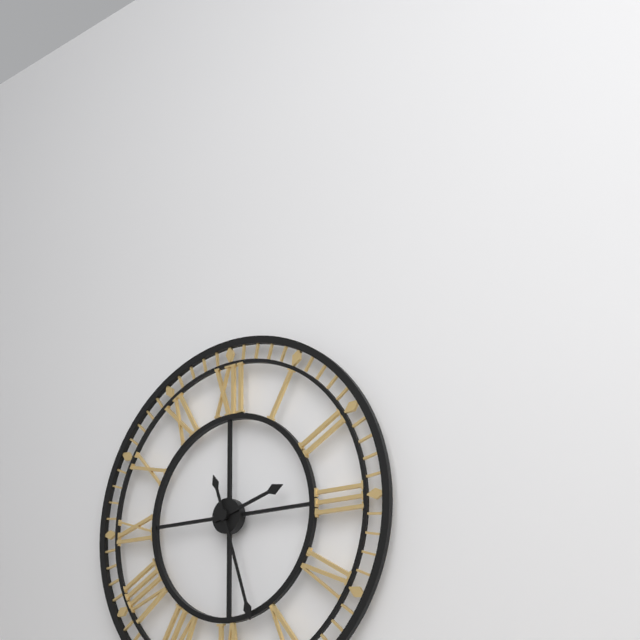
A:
2,27
